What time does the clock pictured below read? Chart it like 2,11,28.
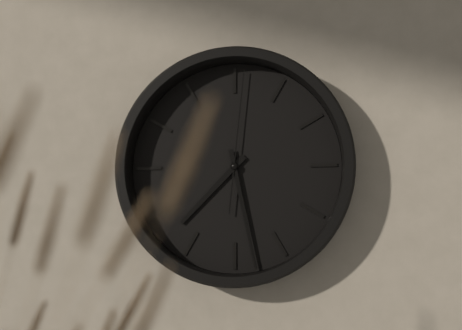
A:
7,28,01
